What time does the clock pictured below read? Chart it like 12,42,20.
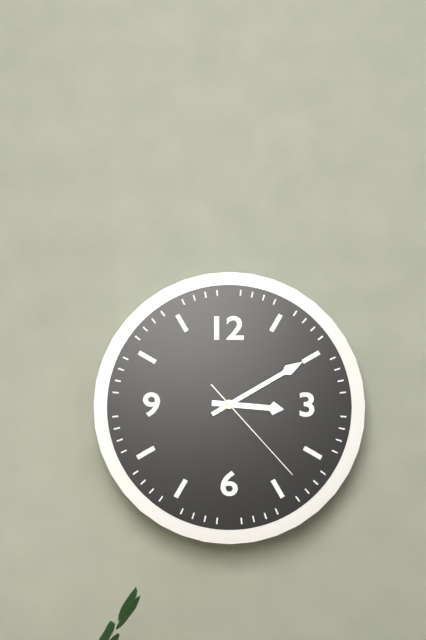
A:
3,10,23
